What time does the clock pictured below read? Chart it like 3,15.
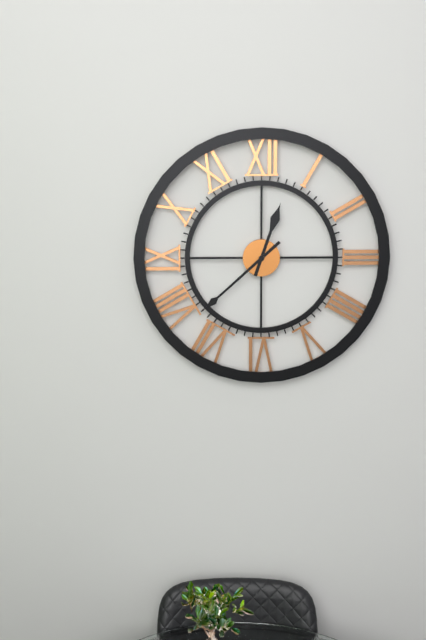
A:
12,38
